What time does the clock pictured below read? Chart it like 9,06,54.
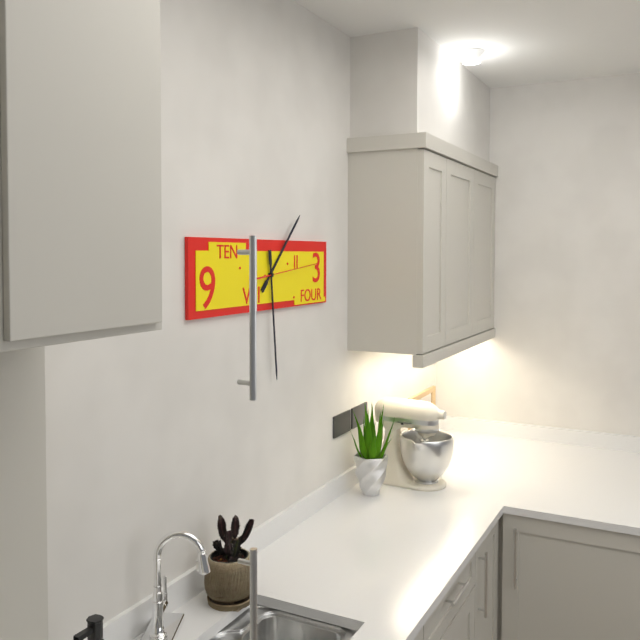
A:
1,29,14
